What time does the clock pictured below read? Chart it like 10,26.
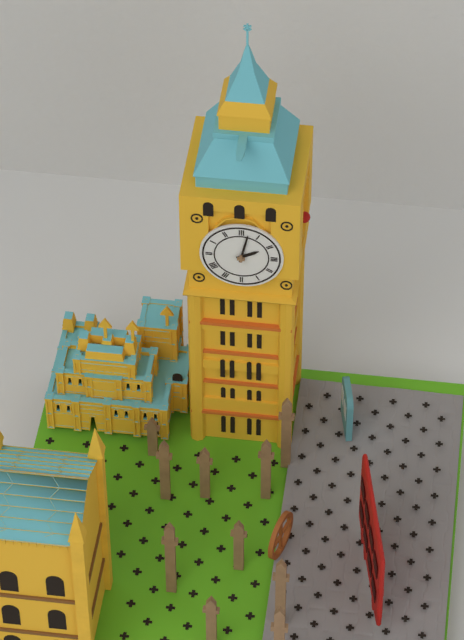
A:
2,02
